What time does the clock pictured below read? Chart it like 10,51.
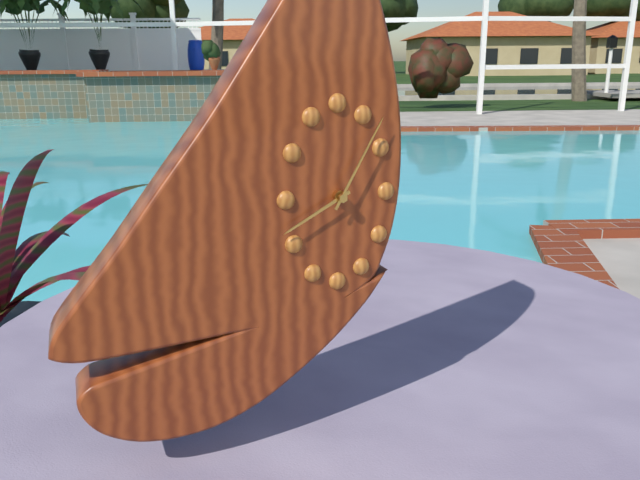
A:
8,05
